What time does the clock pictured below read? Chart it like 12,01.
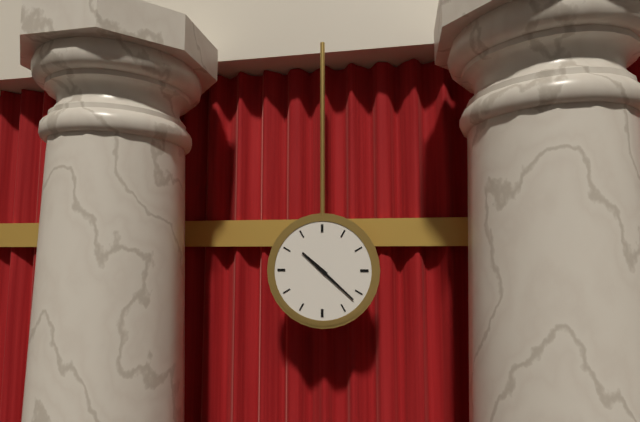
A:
10,22
